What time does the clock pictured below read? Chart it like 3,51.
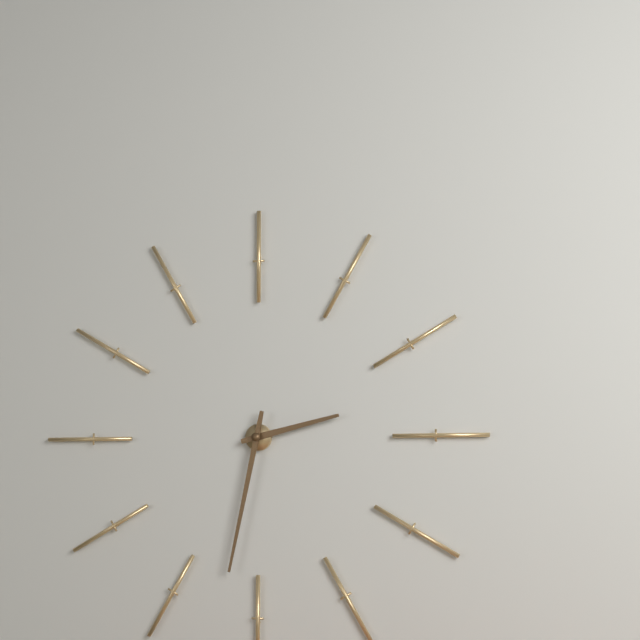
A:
2,32
